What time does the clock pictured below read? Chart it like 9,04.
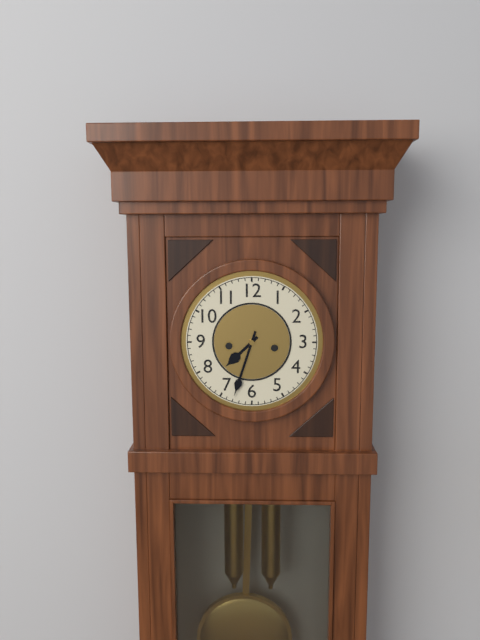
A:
7,33
